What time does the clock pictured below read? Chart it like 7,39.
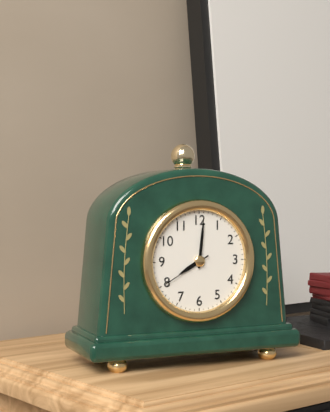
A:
8,01
